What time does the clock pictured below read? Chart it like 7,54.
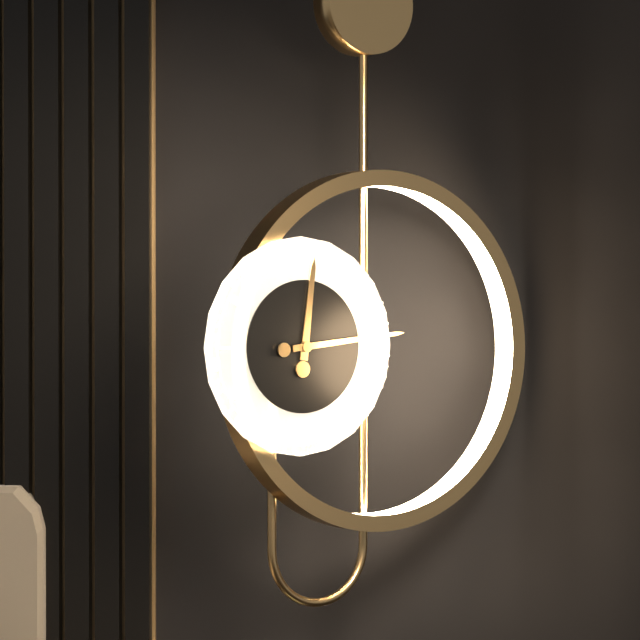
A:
12,14
